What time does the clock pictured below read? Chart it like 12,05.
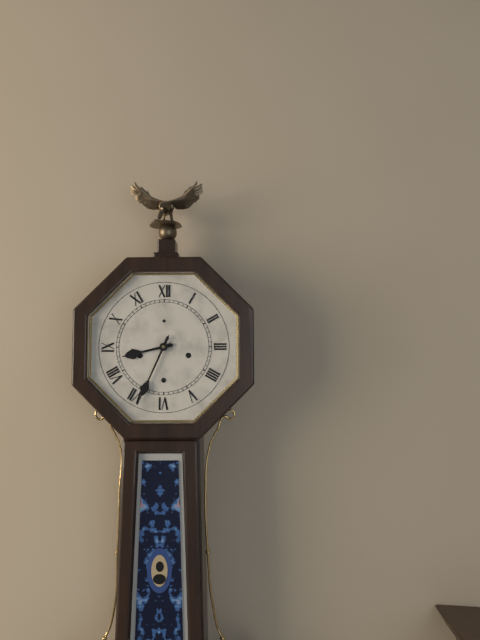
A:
8,34
